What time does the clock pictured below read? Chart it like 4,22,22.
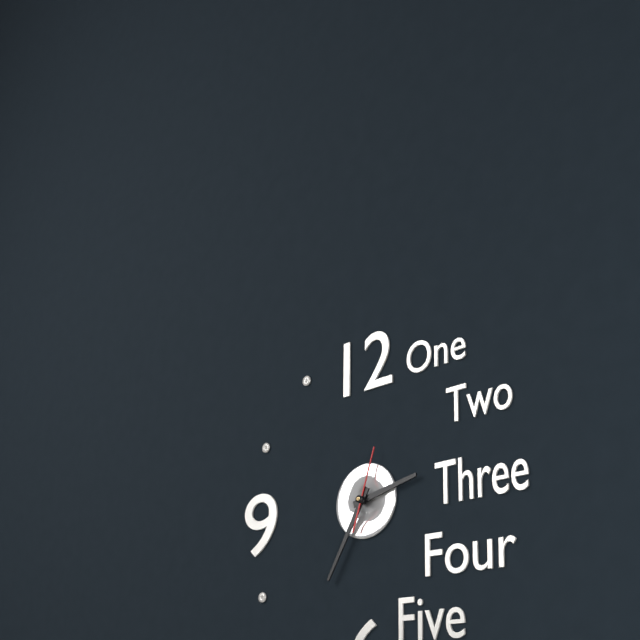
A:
2,35,03
